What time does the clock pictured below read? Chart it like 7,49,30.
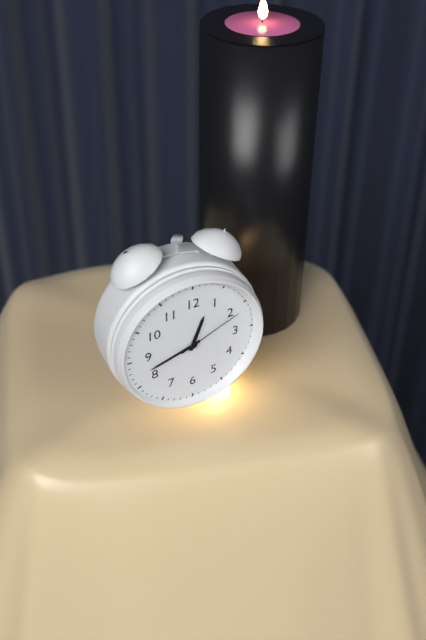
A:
12,42,11
